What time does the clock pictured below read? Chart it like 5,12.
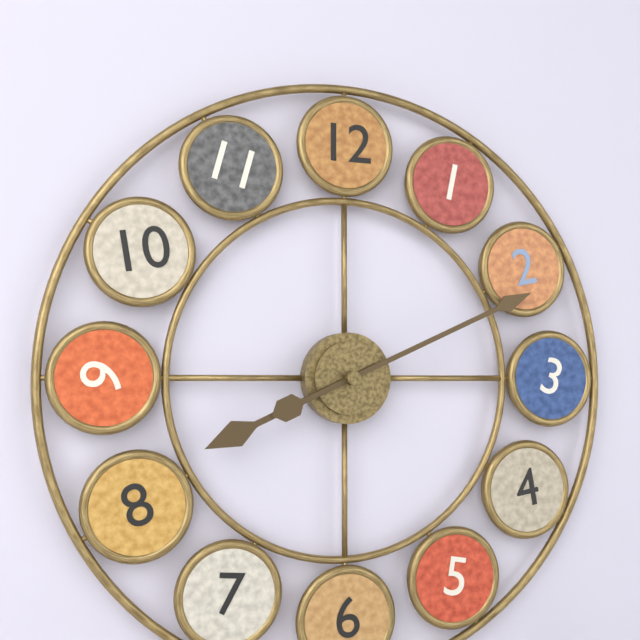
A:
8,11
